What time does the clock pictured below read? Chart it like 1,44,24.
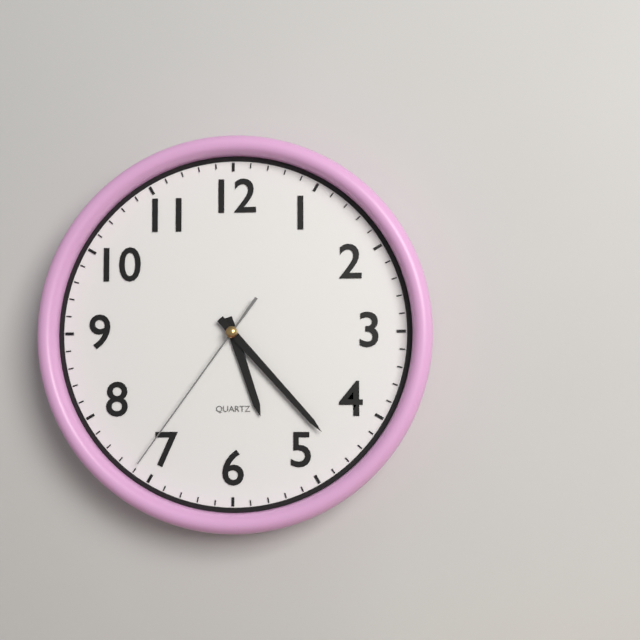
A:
5,23,36
